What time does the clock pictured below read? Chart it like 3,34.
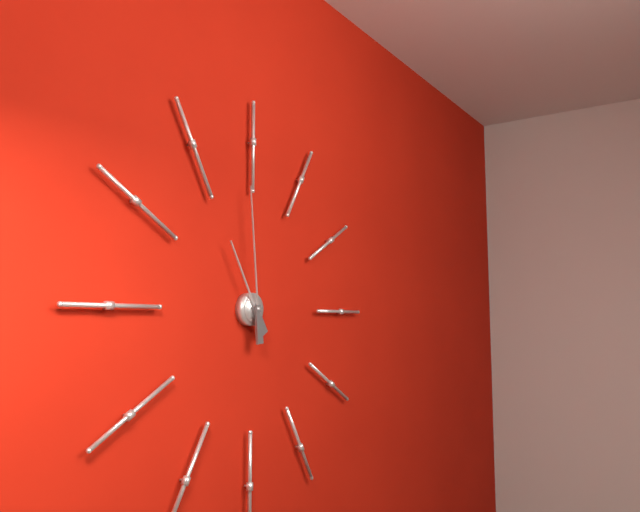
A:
10,59
